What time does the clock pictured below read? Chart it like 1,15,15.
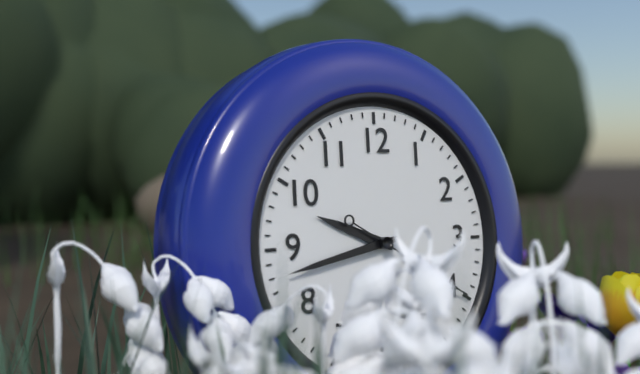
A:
9,43,20
